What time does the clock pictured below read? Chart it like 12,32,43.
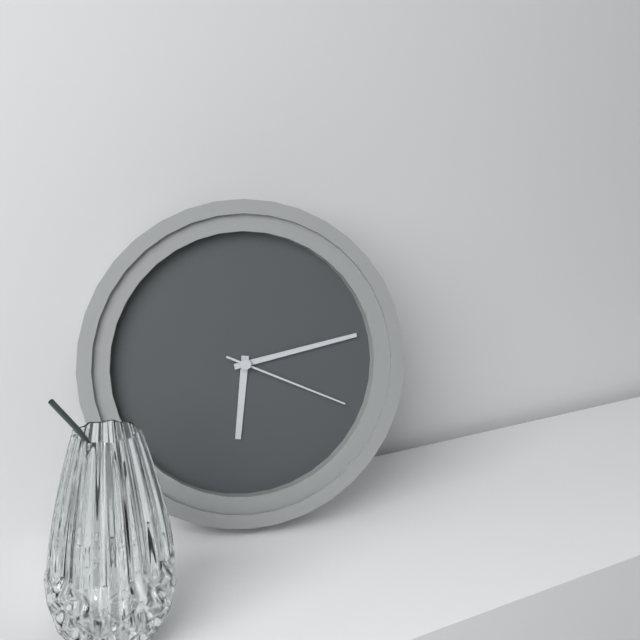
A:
6,13,19
